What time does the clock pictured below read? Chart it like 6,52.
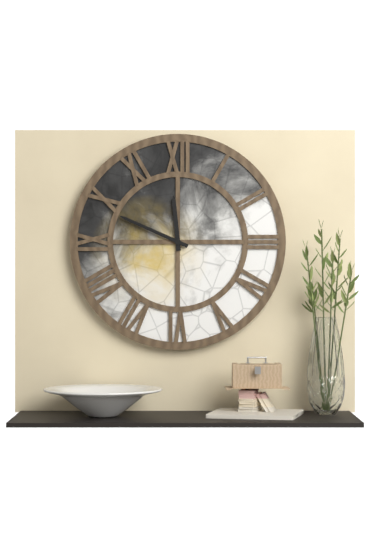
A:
11,49
